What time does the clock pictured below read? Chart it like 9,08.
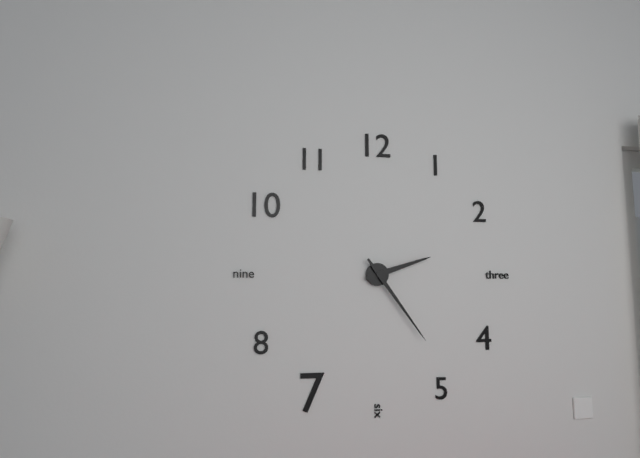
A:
2,24
